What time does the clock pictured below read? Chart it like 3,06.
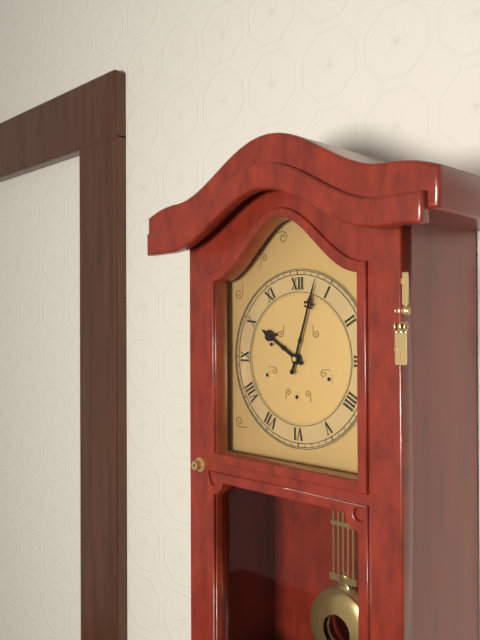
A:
10,03
